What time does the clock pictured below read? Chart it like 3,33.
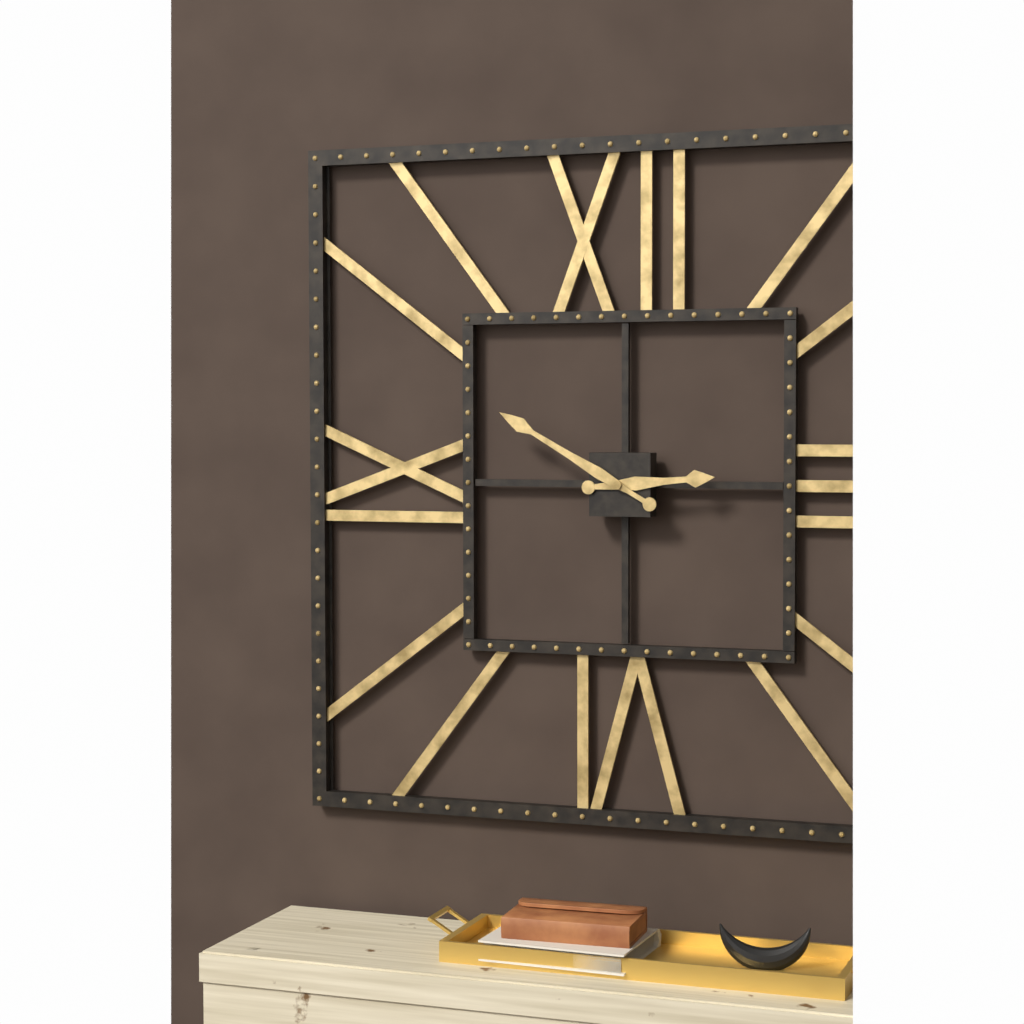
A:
2,50
